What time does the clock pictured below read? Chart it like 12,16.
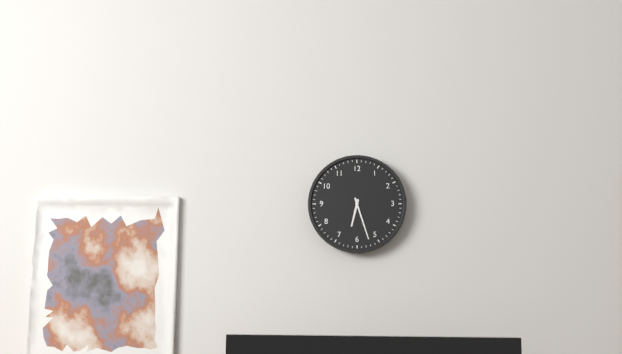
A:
6,27
